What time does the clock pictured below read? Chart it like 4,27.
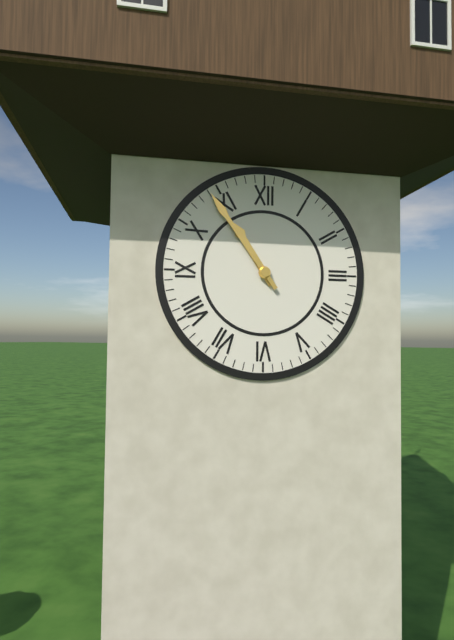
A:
10,54
